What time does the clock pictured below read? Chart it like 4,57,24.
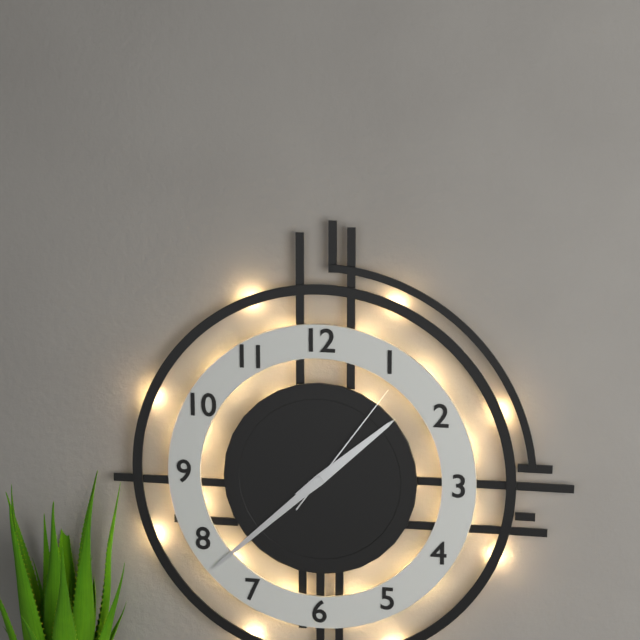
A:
1,38,06
